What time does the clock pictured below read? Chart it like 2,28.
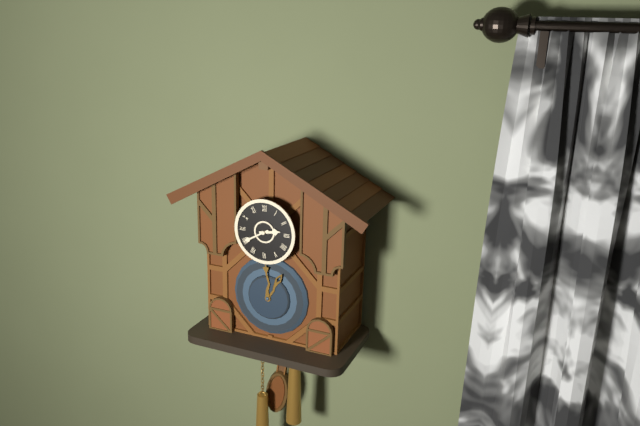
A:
2,40
